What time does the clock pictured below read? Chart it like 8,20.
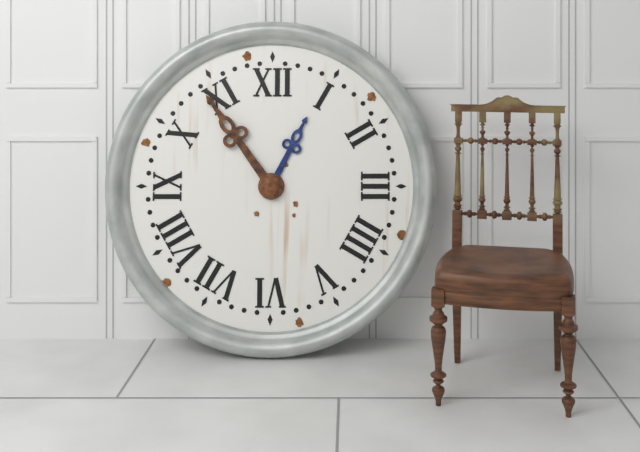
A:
12,54
